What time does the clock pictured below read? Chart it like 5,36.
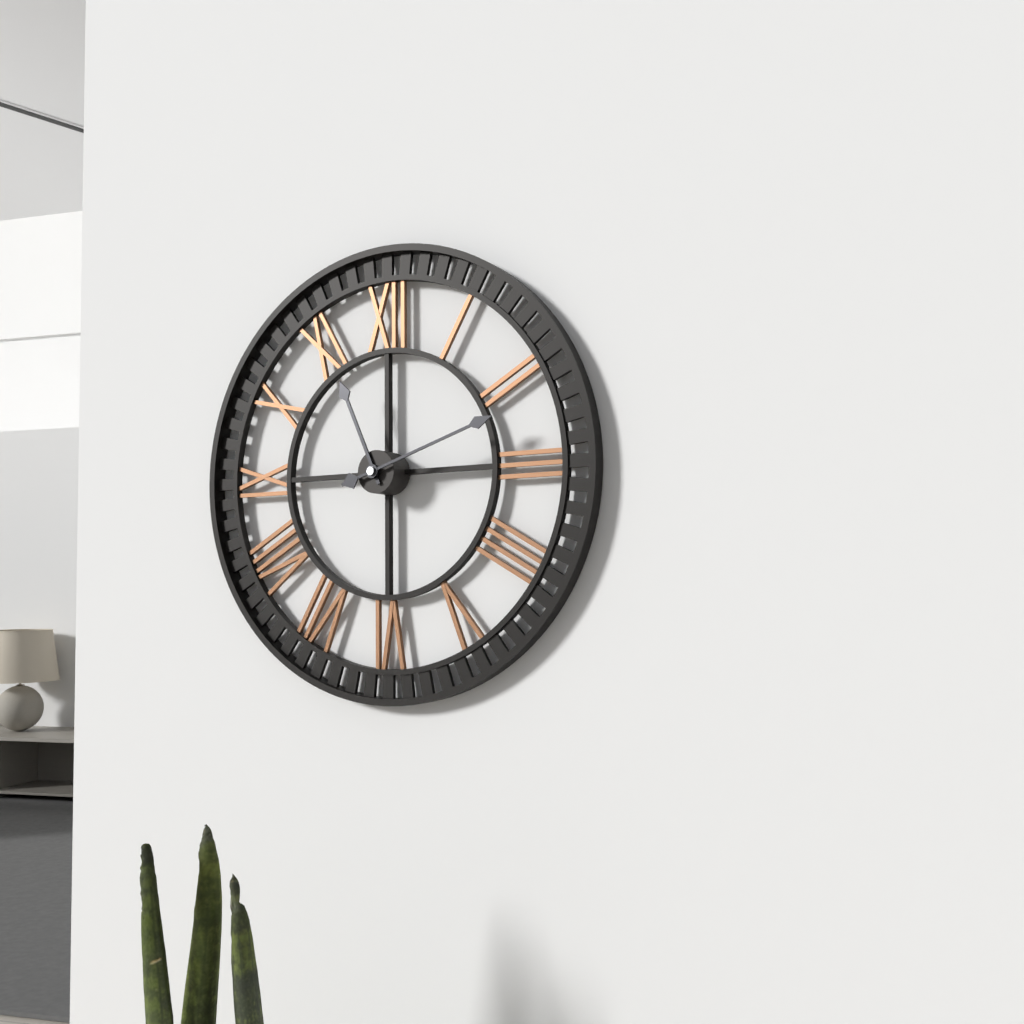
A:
11,12
